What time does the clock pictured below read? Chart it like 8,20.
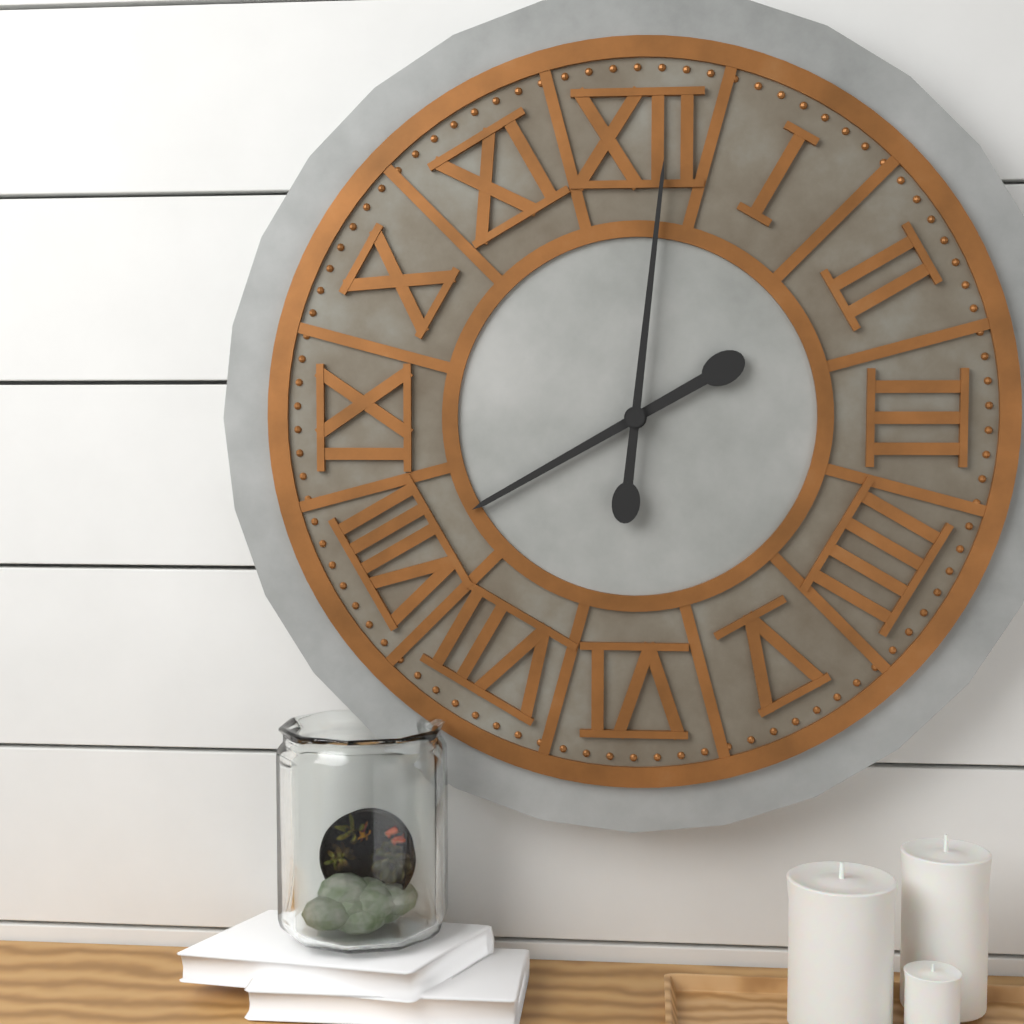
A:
8,01
